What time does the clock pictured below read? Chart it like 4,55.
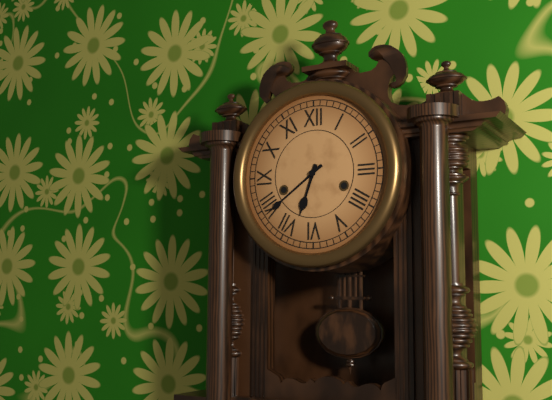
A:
6,39
